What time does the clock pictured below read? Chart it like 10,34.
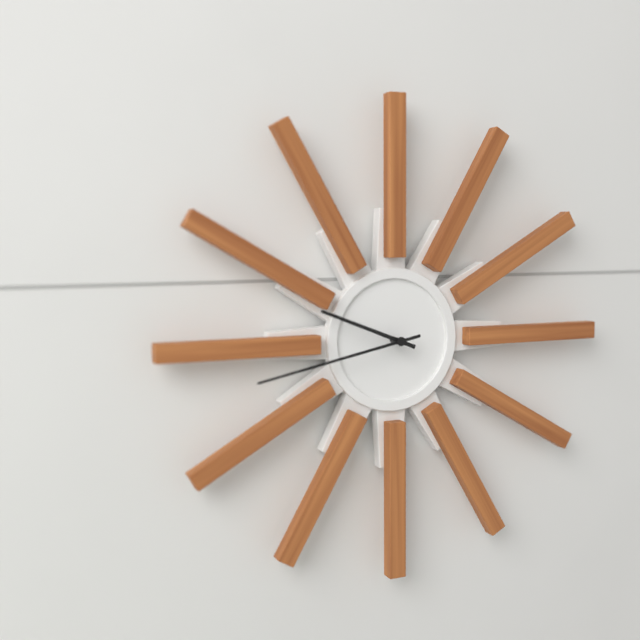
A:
9,43
